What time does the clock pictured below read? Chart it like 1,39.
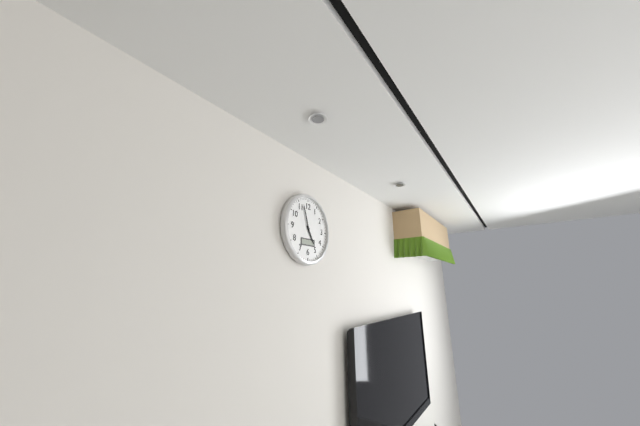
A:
4,57
